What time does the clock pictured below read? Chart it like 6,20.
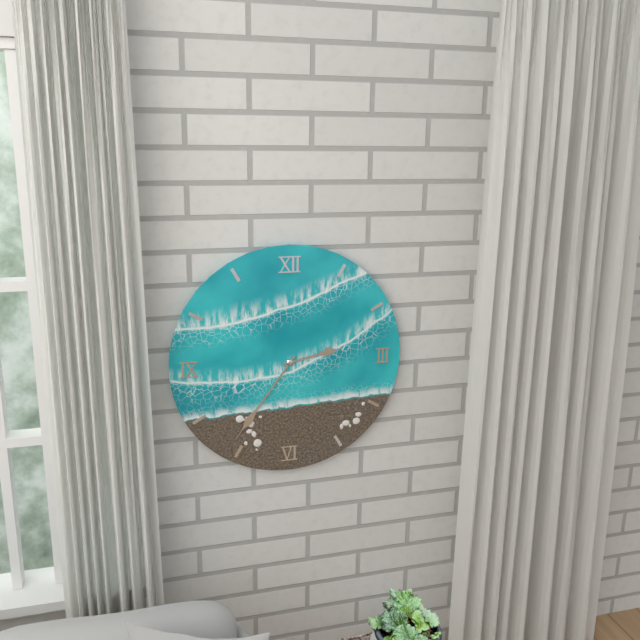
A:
2,36
